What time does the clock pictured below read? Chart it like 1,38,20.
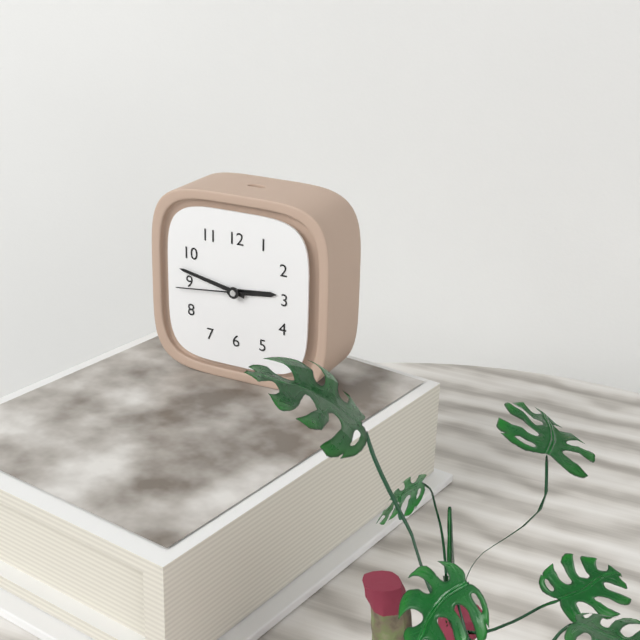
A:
2,47,44
